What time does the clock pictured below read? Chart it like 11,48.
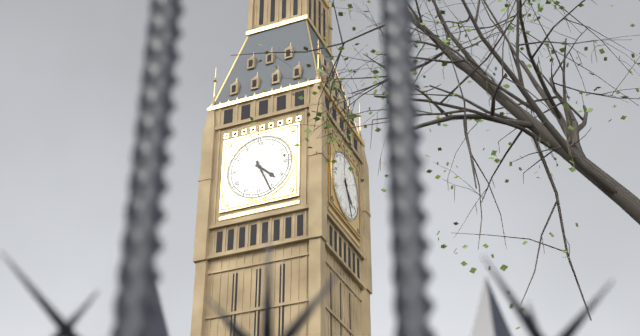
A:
4,26
